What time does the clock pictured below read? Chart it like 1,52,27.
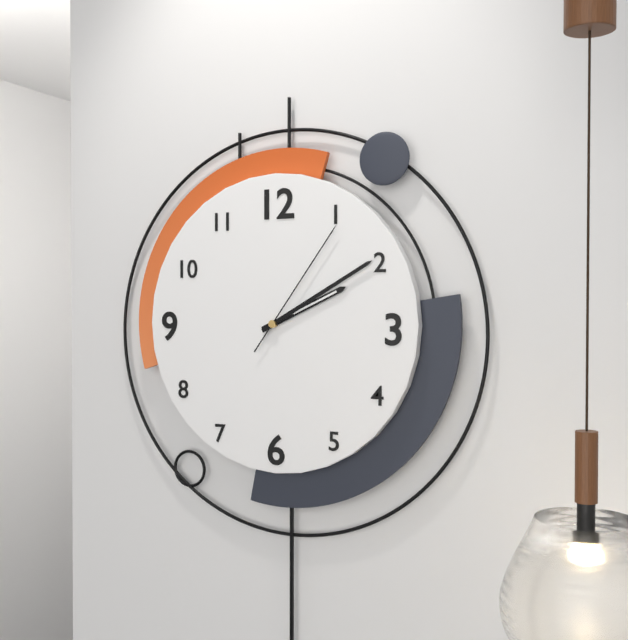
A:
2,10,06
